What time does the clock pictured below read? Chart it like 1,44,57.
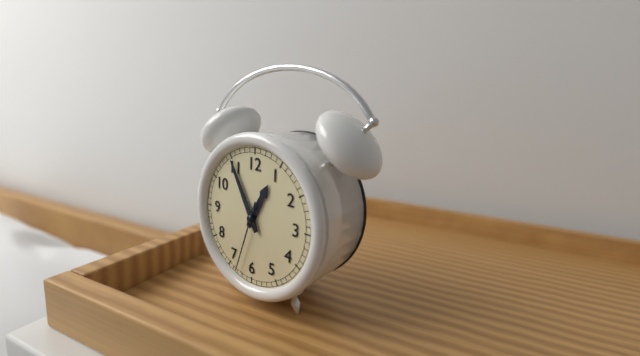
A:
12,55,33
